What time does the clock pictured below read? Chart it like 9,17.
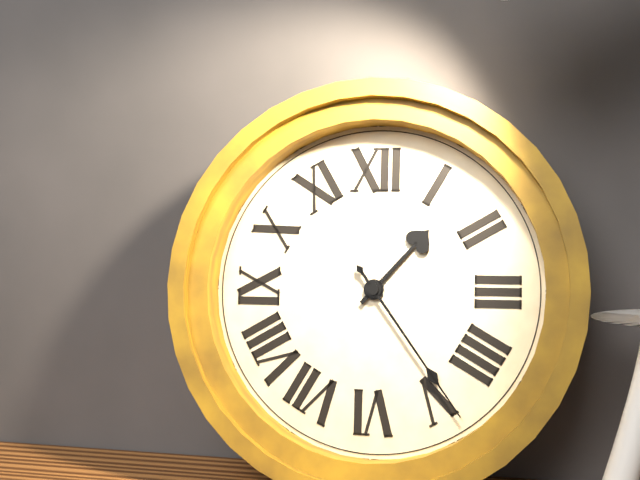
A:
1,24
